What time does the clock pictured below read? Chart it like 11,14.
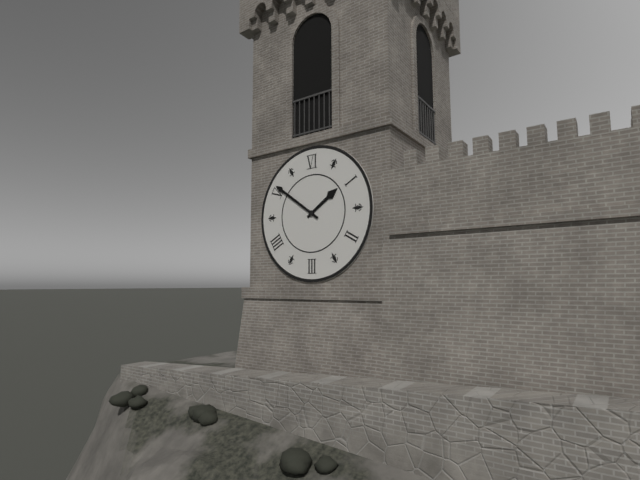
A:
1,51
